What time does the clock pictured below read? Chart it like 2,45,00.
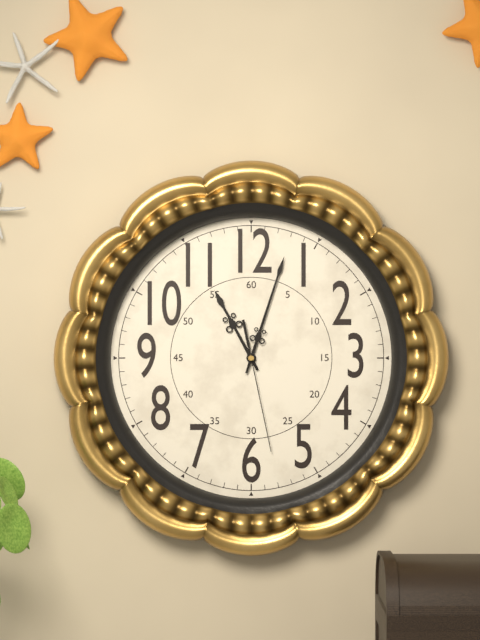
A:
11,03,28
